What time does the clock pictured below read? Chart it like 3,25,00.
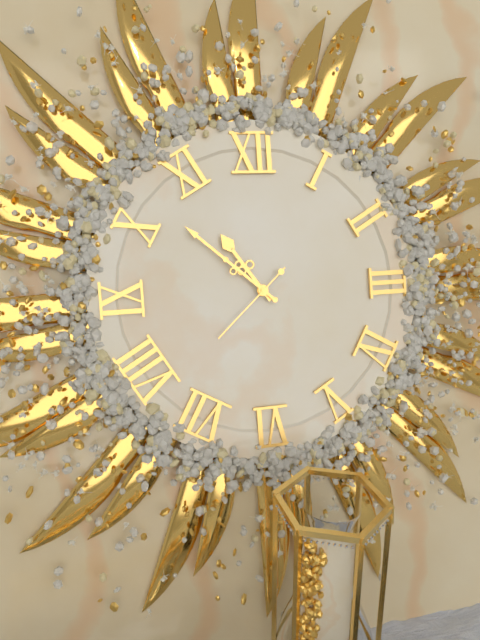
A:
10,52,38
